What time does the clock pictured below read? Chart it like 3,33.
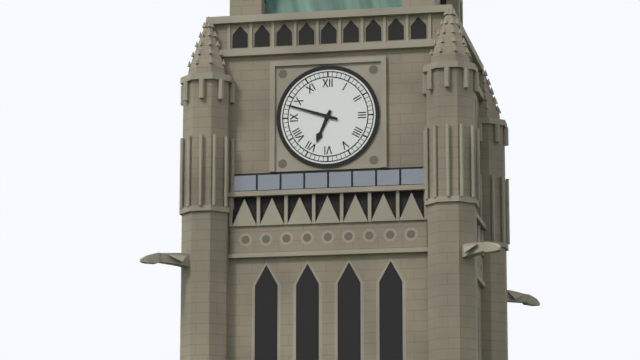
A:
6,48
